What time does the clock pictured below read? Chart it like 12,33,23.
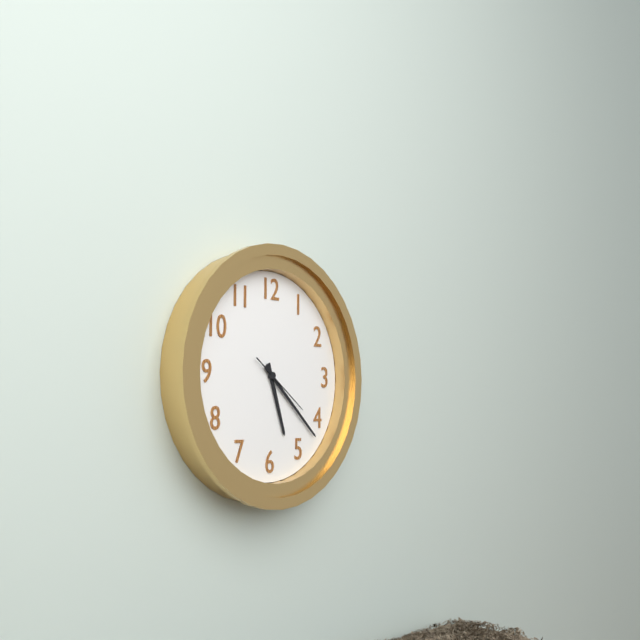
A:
5,22,21
